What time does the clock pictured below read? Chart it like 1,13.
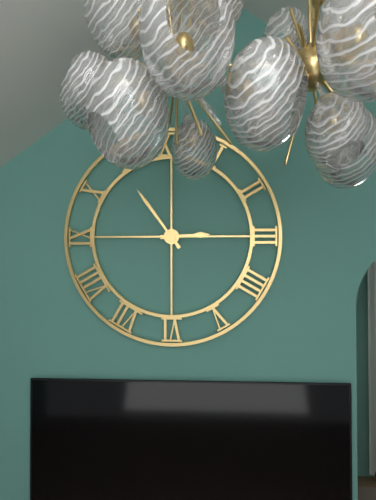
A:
2,54
